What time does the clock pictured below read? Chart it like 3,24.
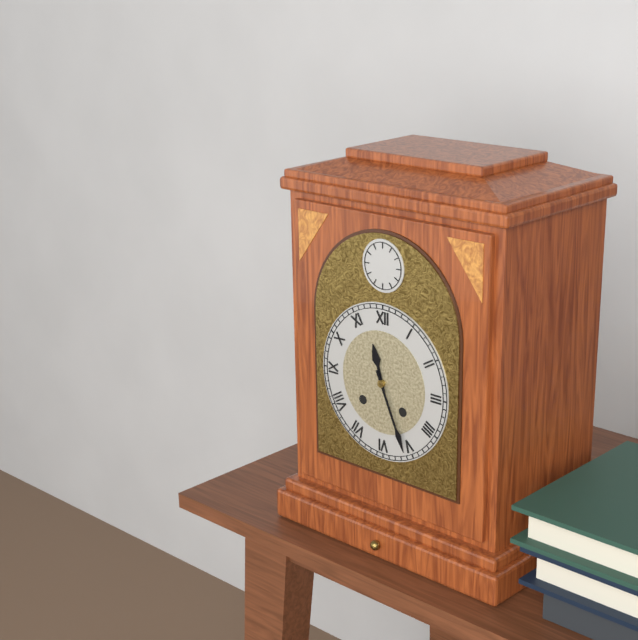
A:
11,26
